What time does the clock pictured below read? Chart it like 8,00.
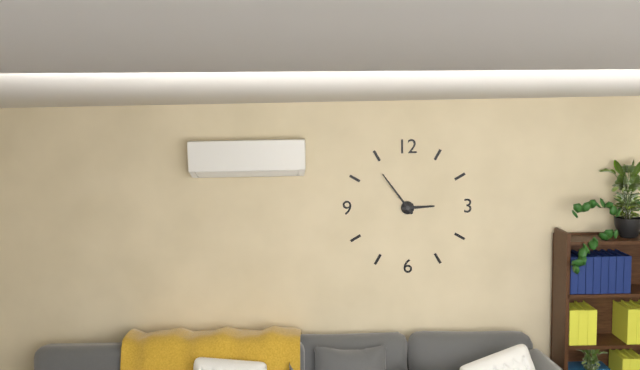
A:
2,54
